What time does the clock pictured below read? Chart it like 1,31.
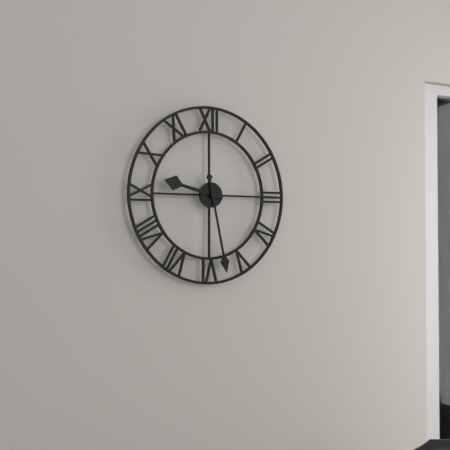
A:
9,28
